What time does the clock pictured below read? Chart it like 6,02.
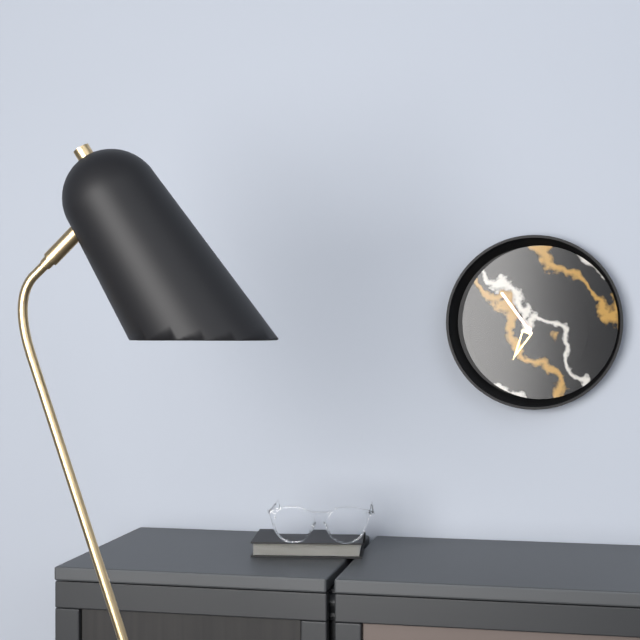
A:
6,54
